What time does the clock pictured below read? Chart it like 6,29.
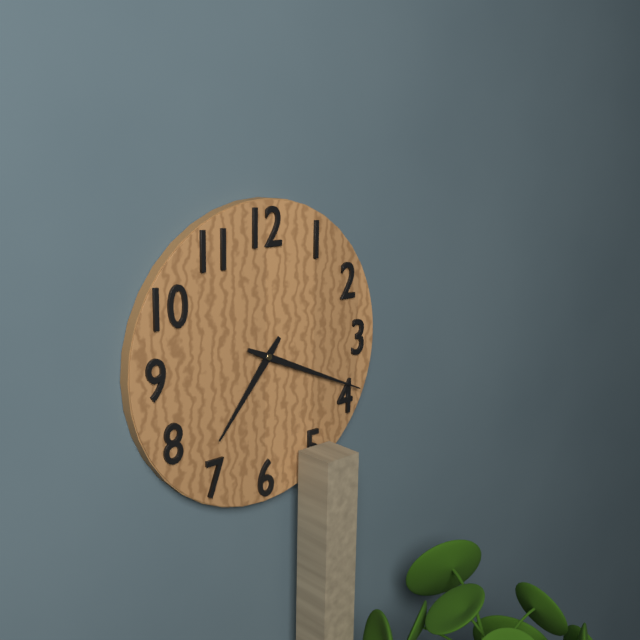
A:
7,19
